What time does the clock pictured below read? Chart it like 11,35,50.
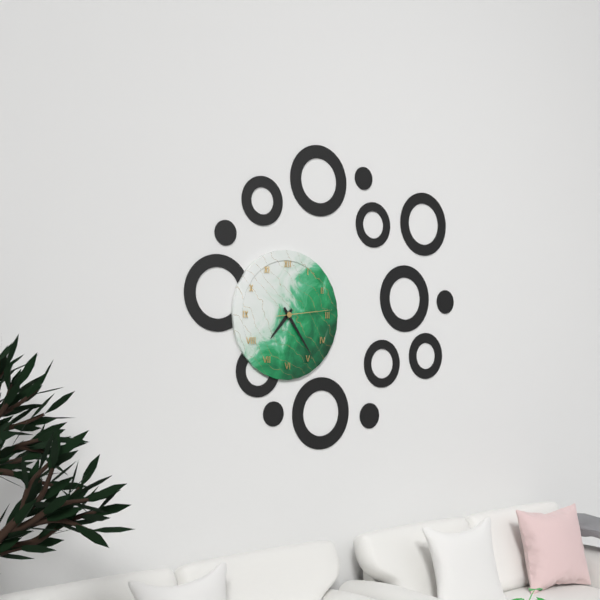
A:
7,24,14
